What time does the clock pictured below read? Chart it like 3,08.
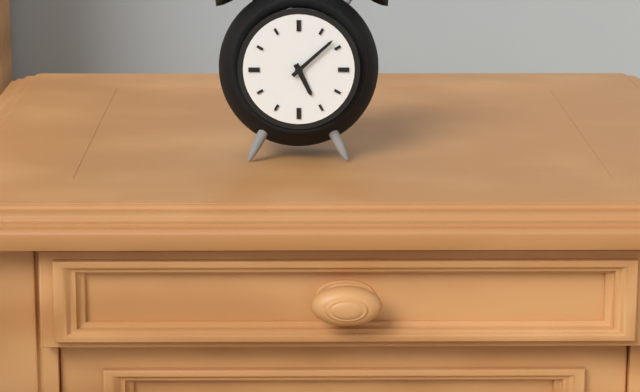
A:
5,08
